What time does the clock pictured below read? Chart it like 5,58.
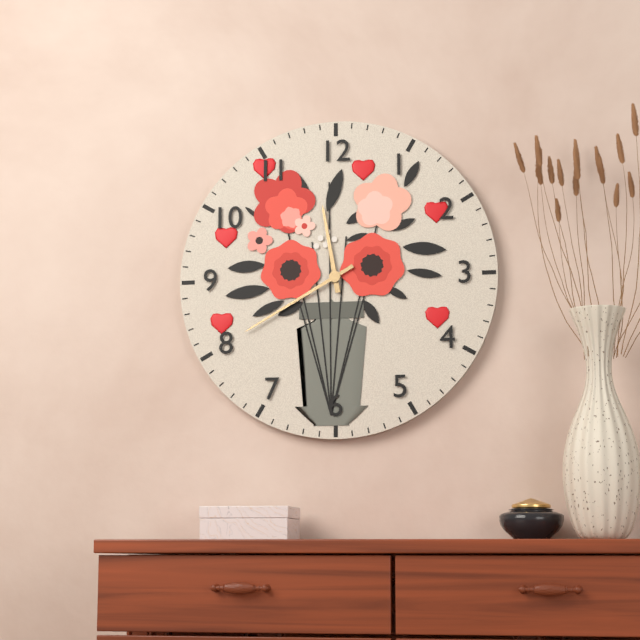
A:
11,40
